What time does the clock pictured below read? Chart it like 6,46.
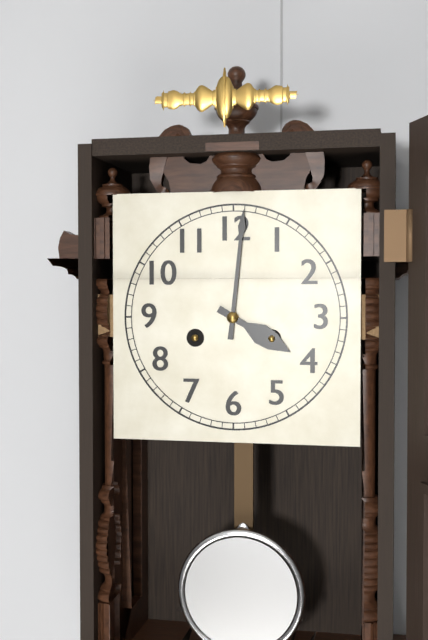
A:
4,01
